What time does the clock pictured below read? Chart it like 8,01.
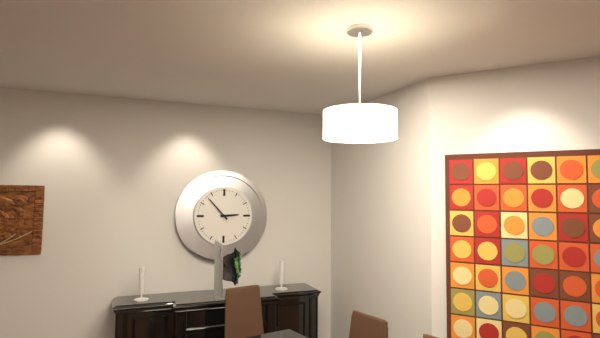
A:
2,53
